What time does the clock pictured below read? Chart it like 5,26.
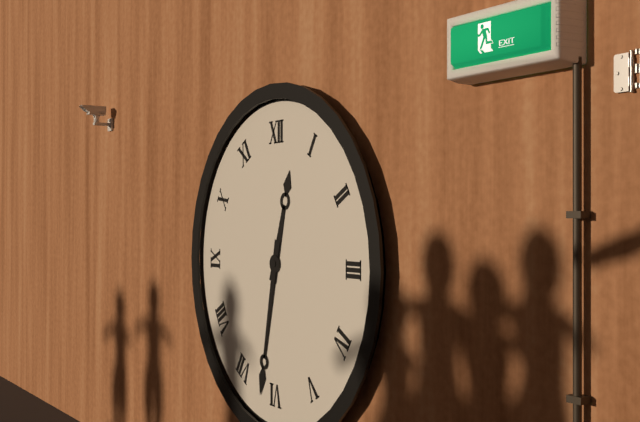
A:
12,32
